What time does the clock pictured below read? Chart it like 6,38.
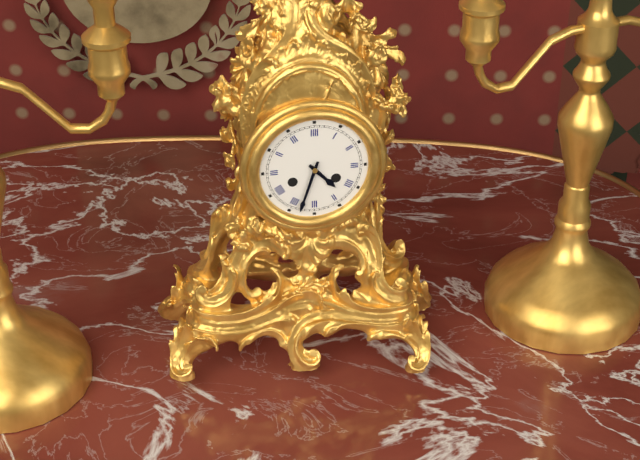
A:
4,33
